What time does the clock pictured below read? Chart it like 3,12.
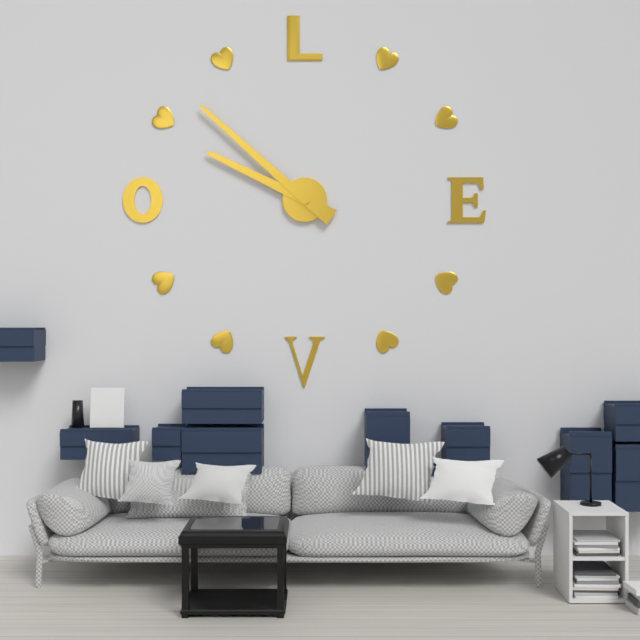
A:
9,52
